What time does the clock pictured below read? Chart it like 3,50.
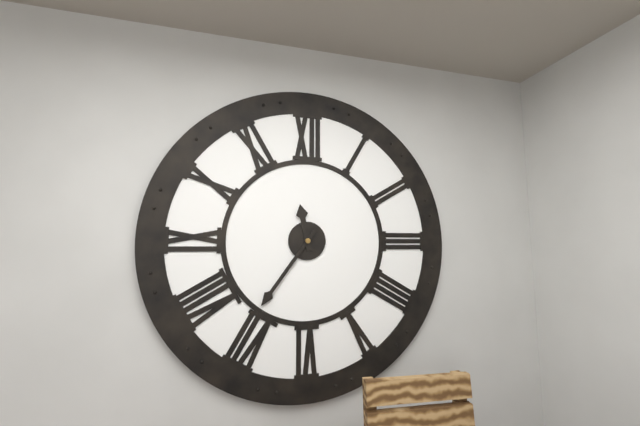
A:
11,36
